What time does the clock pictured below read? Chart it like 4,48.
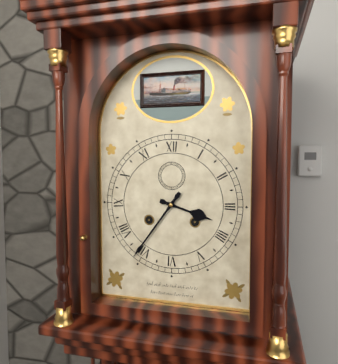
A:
3,36
